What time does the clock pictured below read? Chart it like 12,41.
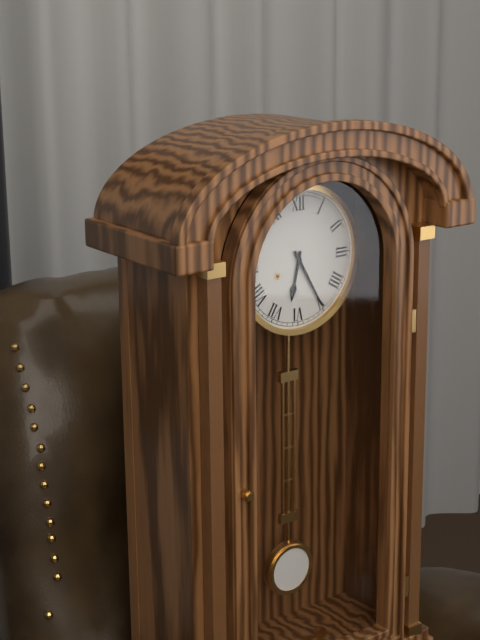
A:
6,25
